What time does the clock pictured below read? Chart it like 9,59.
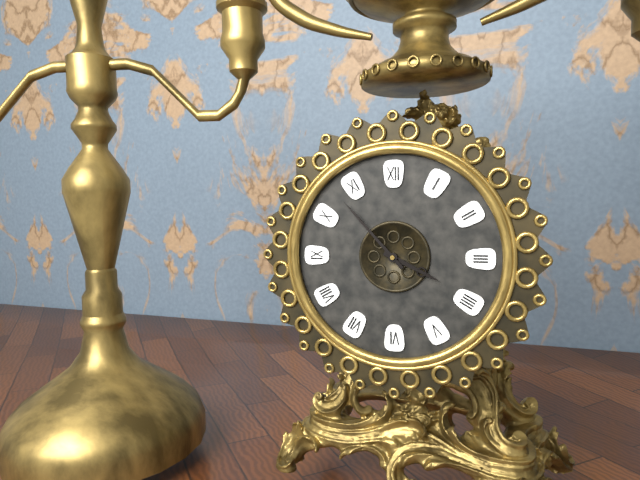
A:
3,53
